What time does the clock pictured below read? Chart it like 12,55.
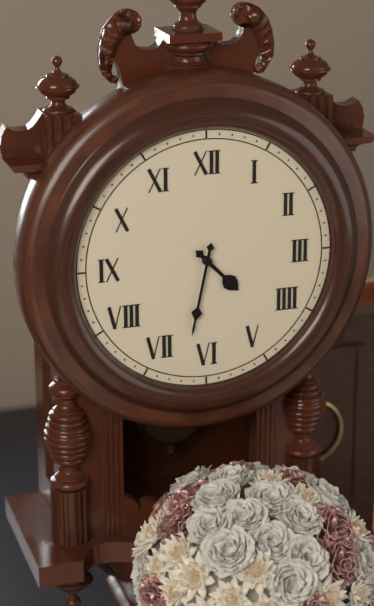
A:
4,32
